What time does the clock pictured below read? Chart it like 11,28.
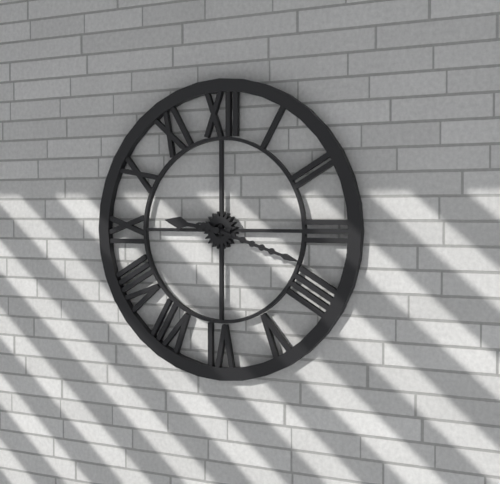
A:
9,18
